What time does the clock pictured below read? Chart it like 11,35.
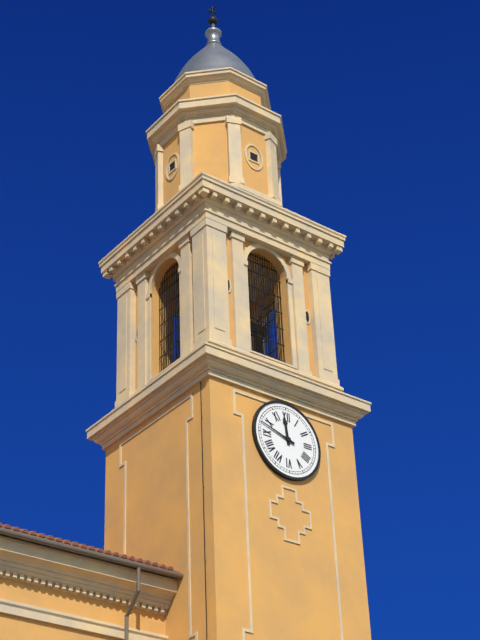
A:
11,48
